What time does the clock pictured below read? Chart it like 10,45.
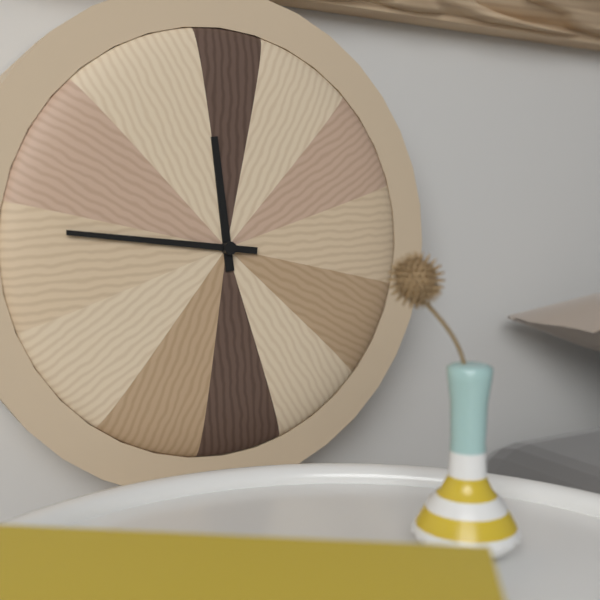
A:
11,46
